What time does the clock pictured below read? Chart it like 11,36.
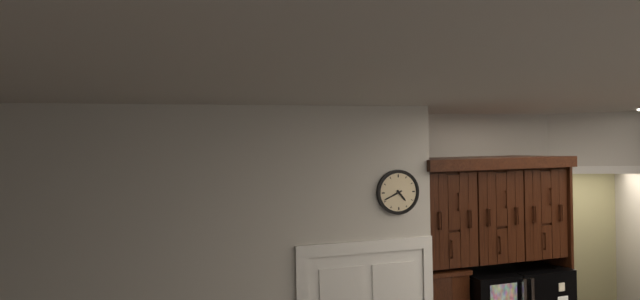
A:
4,41
